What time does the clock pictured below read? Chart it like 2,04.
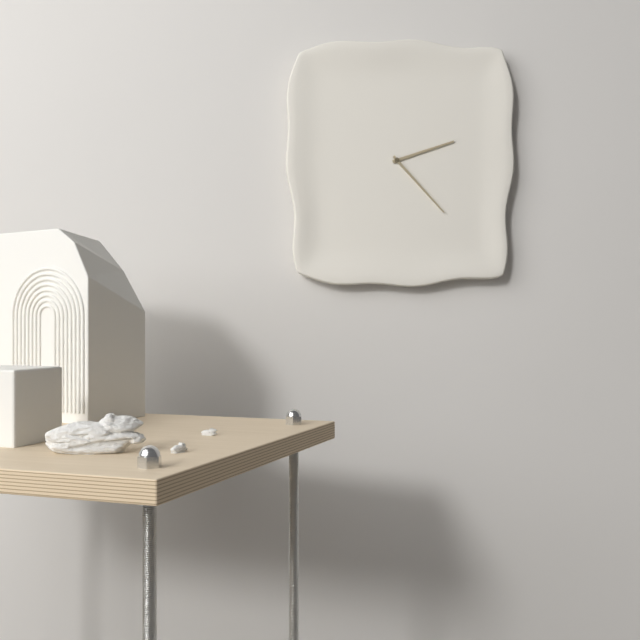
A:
2,23
